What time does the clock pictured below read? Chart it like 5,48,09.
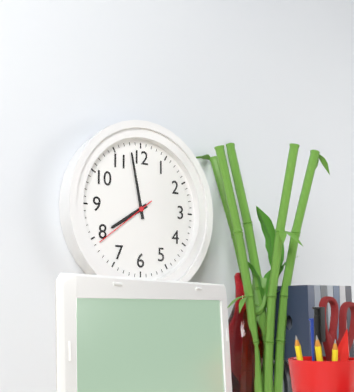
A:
7,58,39
